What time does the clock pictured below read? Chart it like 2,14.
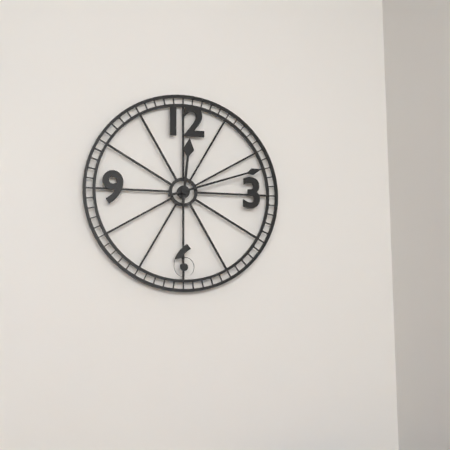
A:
12,12
